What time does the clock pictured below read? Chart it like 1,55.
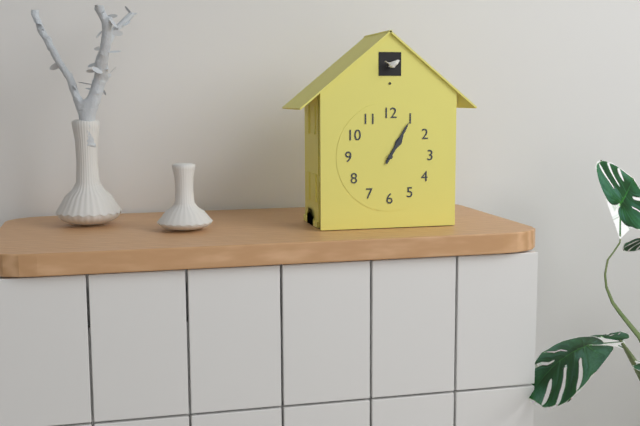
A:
1,05
